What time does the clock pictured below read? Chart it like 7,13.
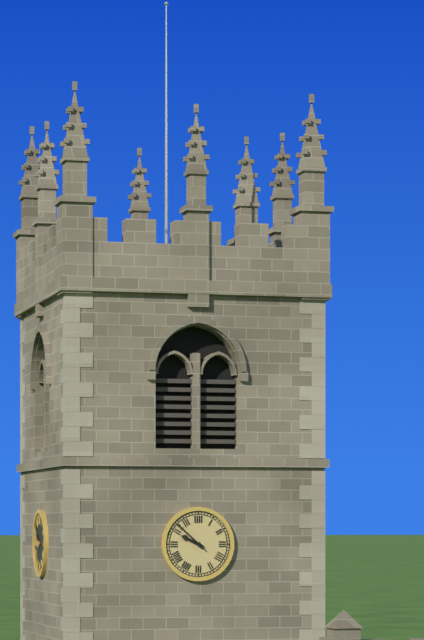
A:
9,52
